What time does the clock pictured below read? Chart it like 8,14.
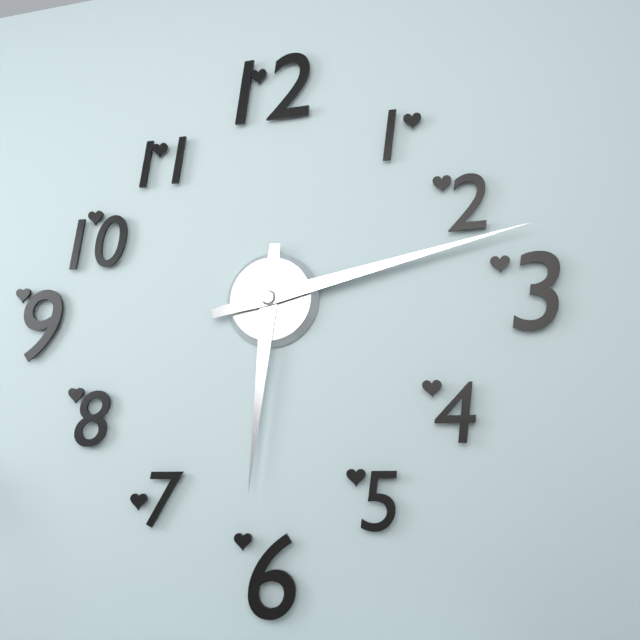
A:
6,13
